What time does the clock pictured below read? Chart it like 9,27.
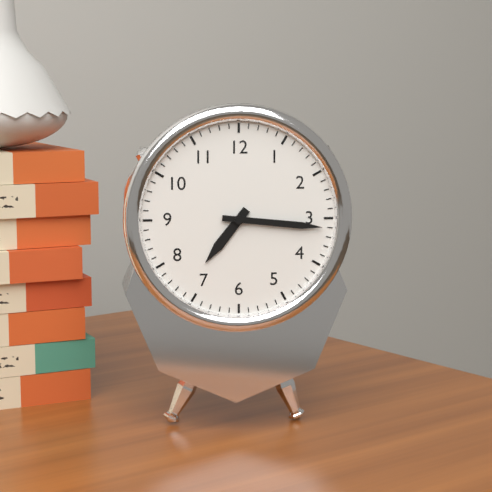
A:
7,16
